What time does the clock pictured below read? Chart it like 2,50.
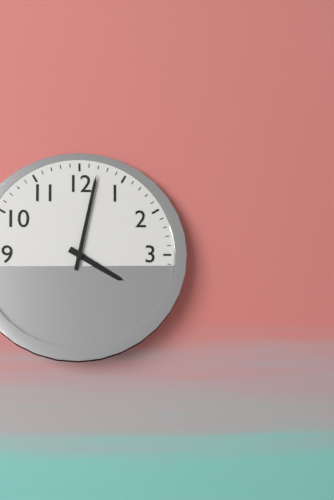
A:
4,02
